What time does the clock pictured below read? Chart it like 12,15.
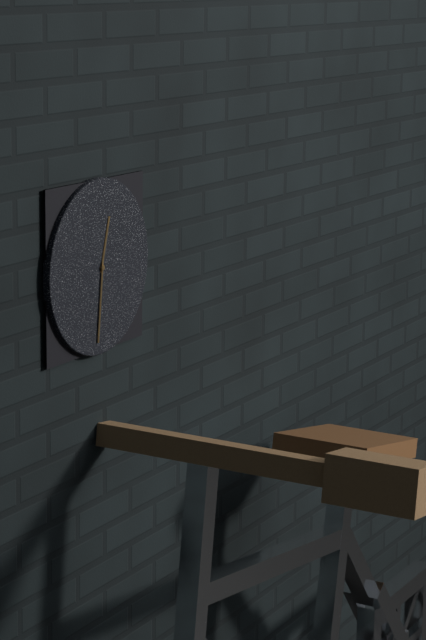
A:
12,31
